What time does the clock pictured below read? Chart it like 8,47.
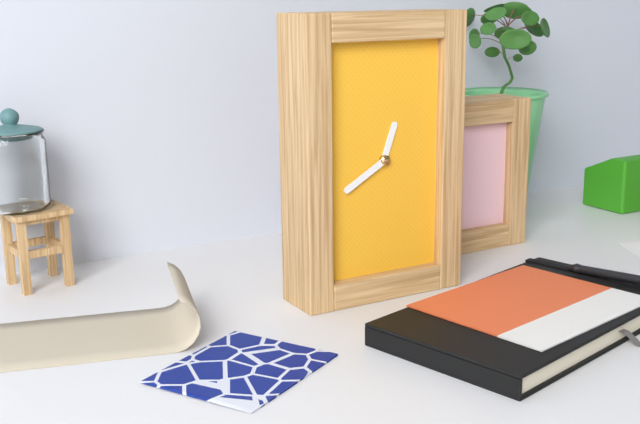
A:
12,40
